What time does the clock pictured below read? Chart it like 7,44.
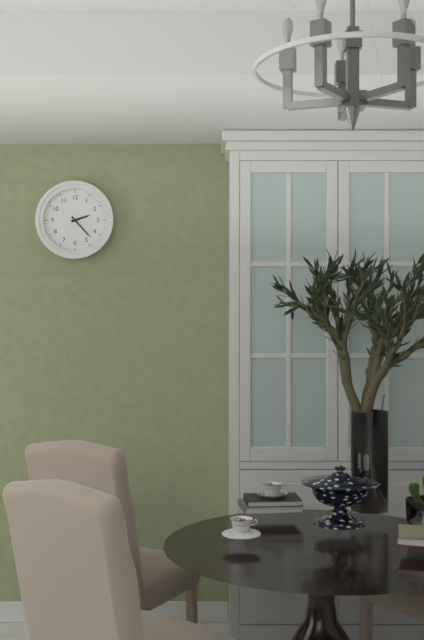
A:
2,23
